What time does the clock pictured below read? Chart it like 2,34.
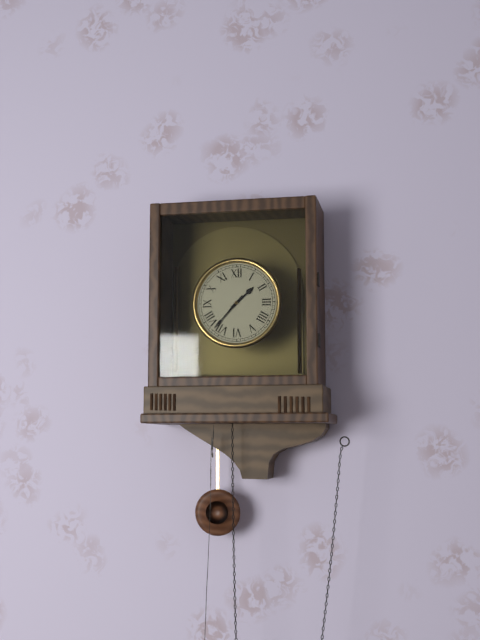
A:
1,37
